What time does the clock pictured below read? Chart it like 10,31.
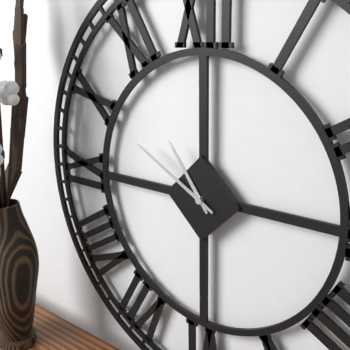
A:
10,50
